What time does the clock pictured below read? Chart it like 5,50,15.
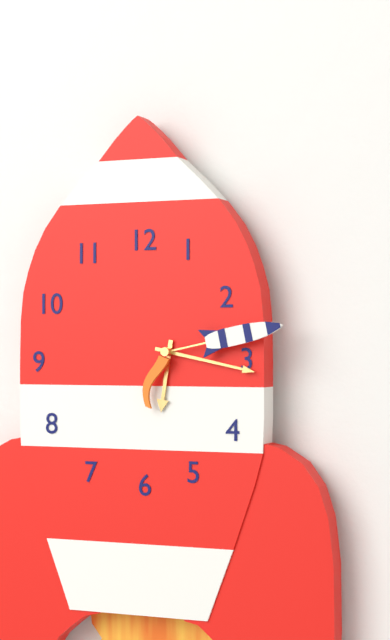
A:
6,17,13
